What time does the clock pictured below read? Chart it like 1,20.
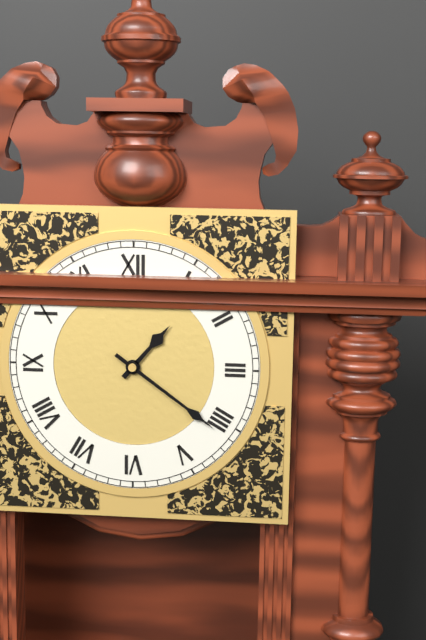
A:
1,21
